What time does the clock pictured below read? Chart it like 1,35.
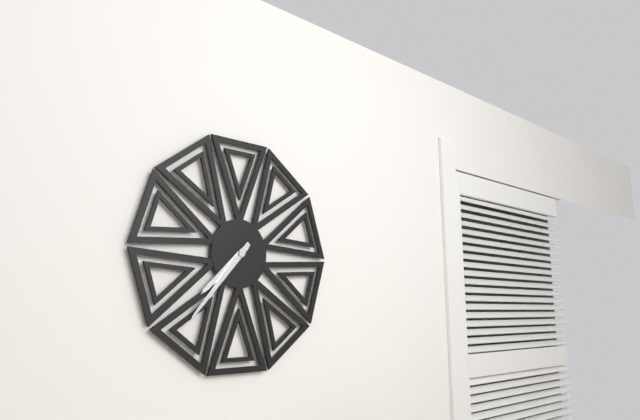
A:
7,37
